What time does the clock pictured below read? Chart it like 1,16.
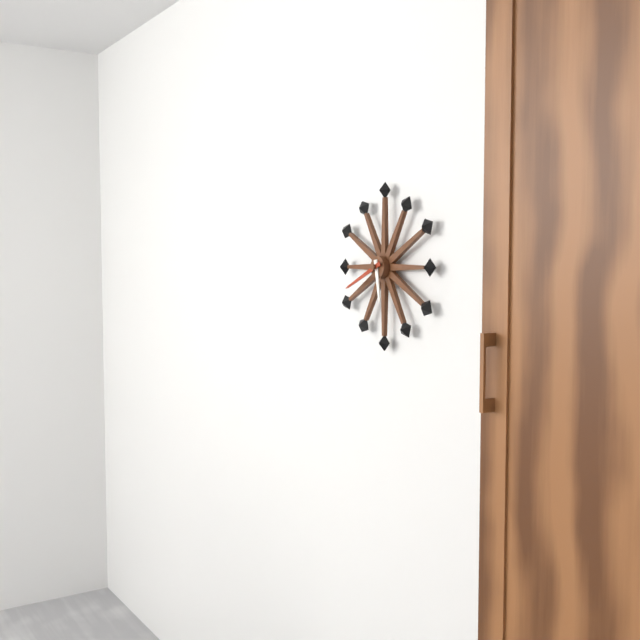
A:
5,41
